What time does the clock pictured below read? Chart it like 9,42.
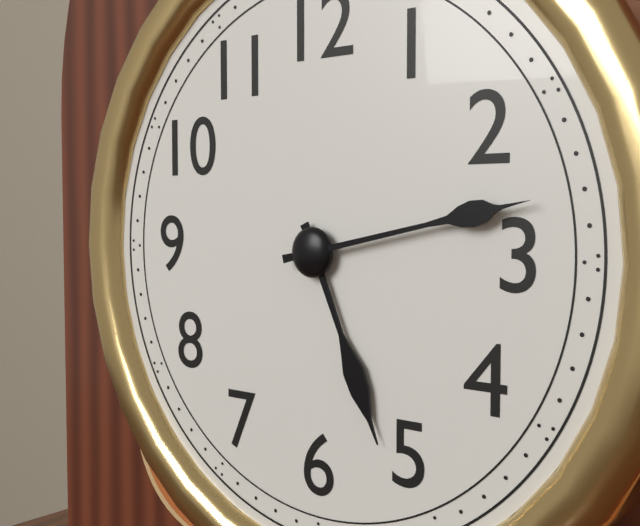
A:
5,13
